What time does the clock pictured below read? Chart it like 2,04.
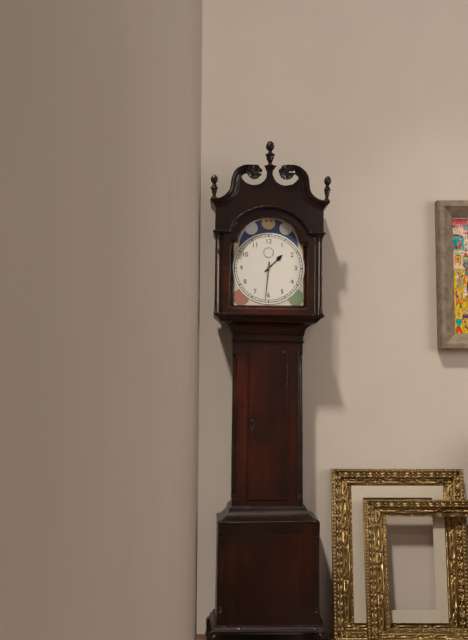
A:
1,31
